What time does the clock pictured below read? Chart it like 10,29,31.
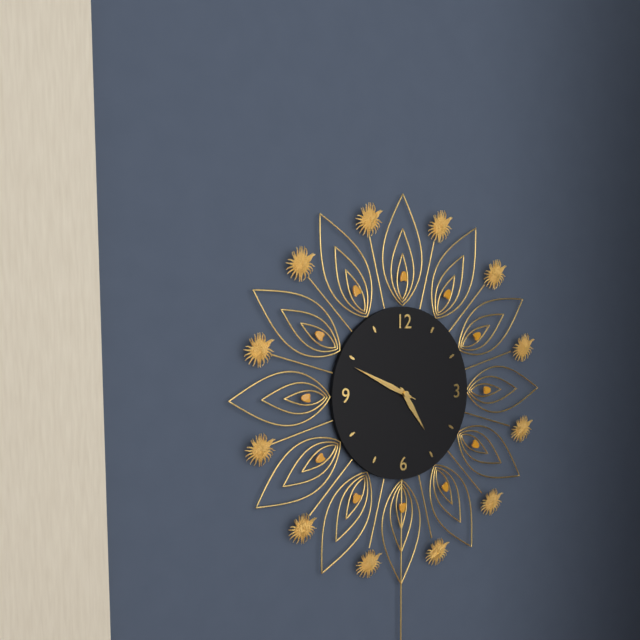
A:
4,49,49
